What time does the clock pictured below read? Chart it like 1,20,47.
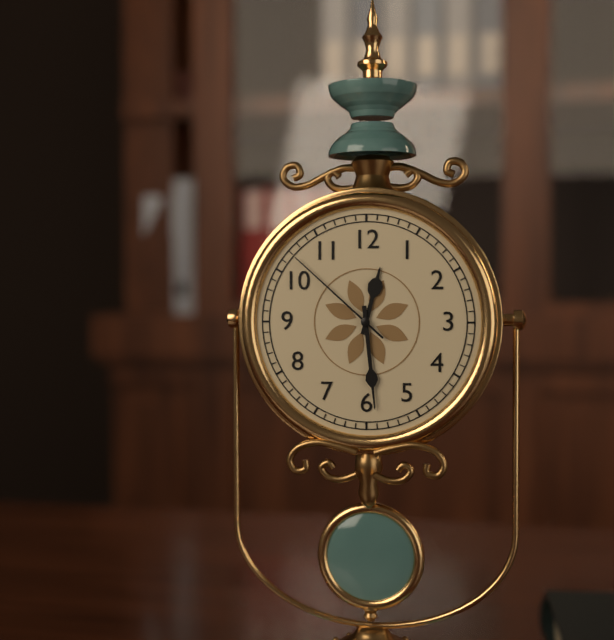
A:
12,29,52
